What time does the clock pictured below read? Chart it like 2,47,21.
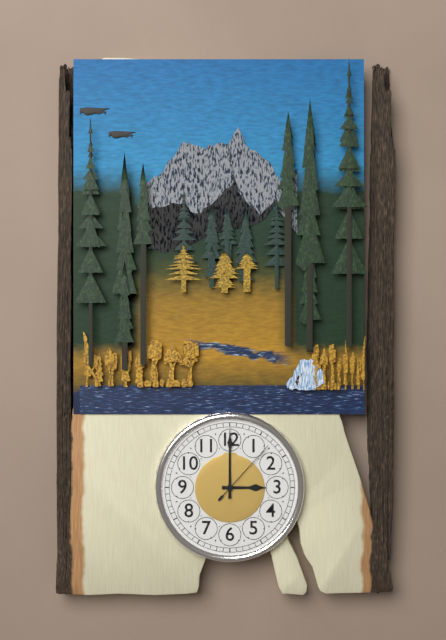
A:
3,00,07
